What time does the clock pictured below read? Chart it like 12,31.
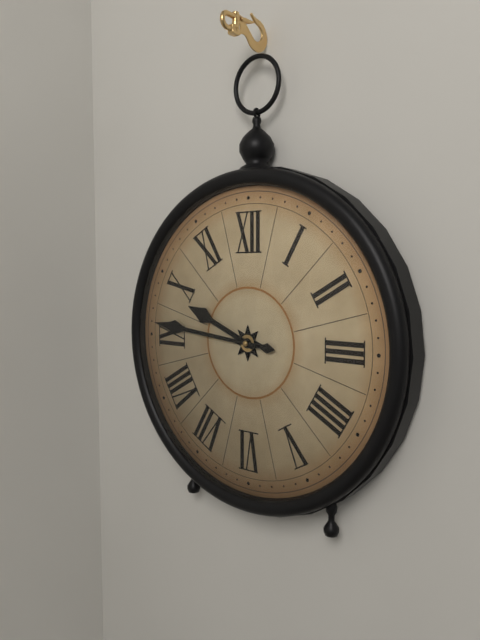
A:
9,46
